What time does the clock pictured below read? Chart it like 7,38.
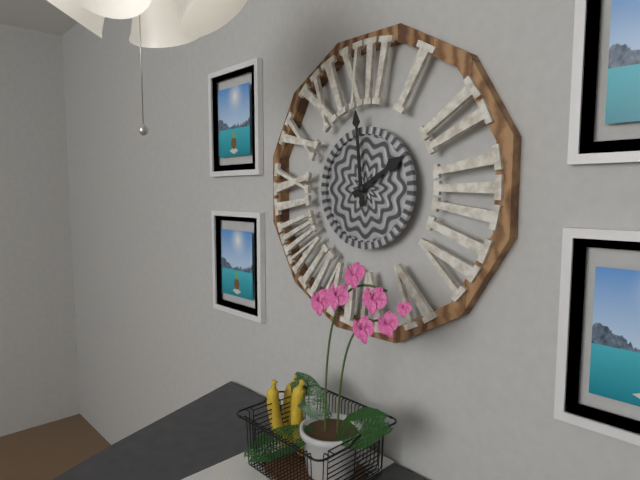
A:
1,59
